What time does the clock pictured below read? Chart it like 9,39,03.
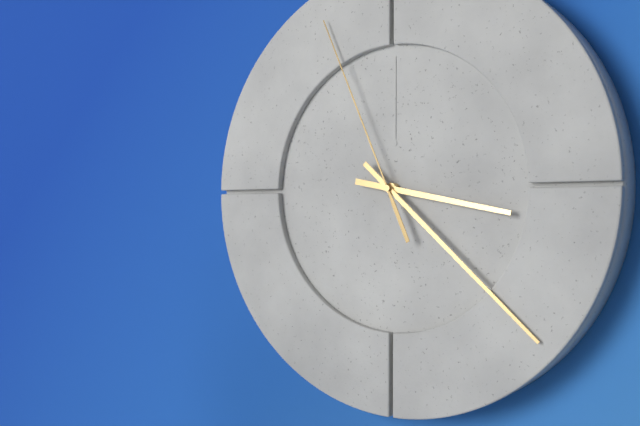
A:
3,22,56
